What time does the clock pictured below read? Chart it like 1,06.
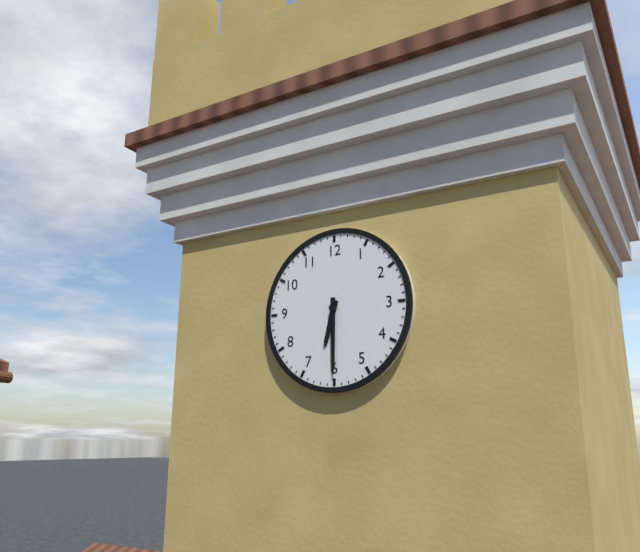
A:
6,30
